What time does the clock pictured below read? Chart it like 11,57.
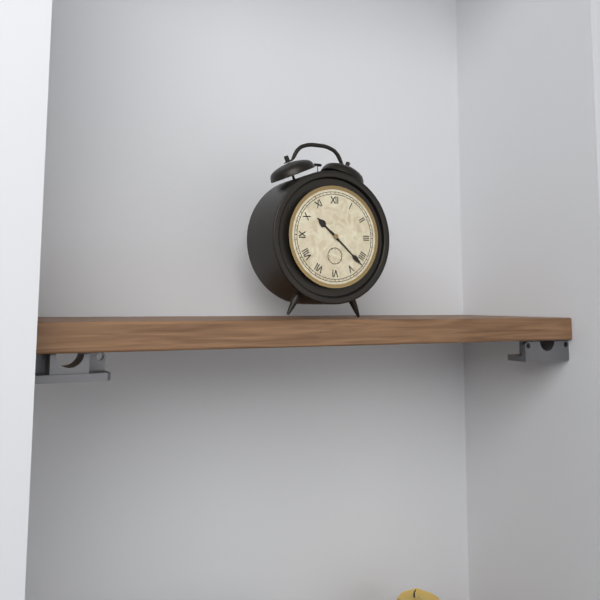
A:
10,22
